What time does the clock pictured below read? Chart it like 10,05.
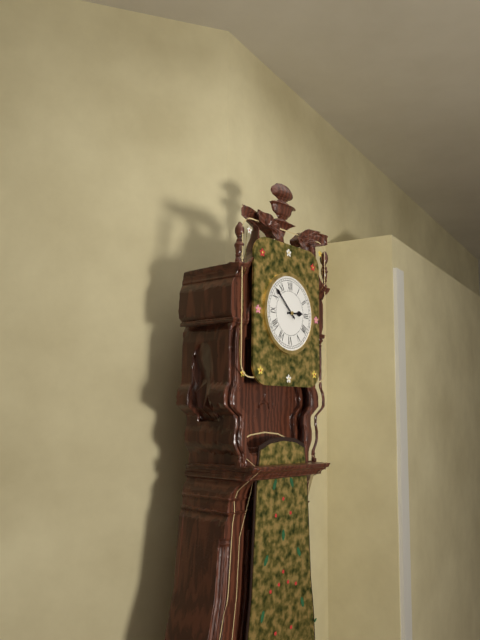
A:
2,52
